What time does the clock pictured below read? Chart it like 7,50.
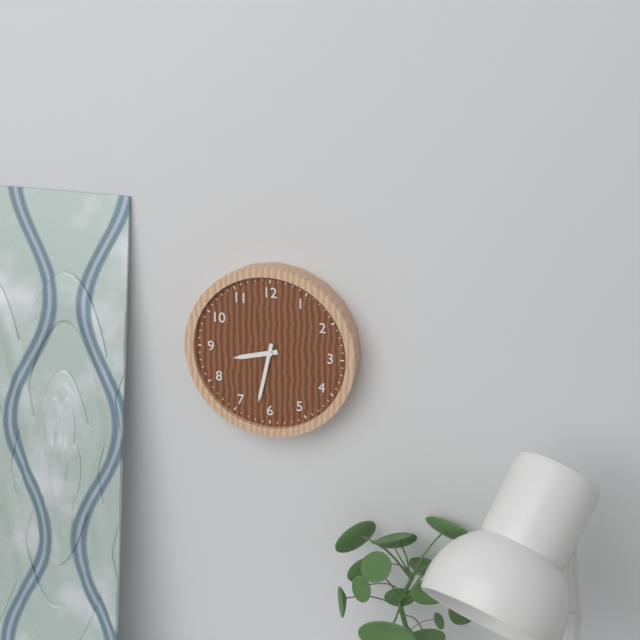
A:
8,32
